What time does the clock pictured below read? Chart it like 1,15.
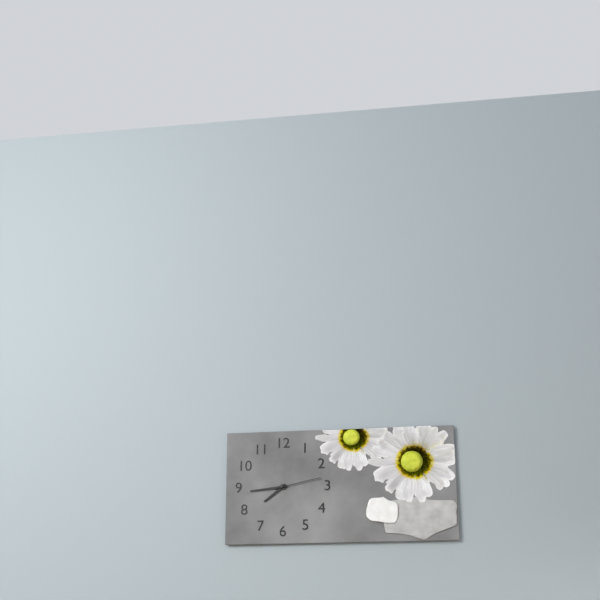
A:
7,44
